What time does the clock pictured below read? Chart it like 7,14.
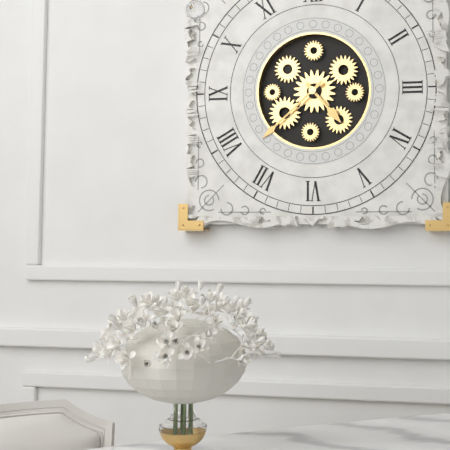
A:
4,38
